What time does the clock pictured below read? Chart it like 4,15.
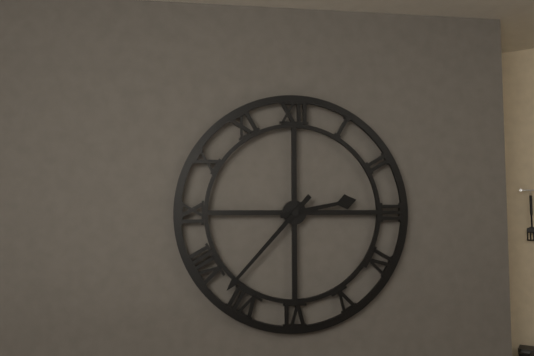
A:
2,37
